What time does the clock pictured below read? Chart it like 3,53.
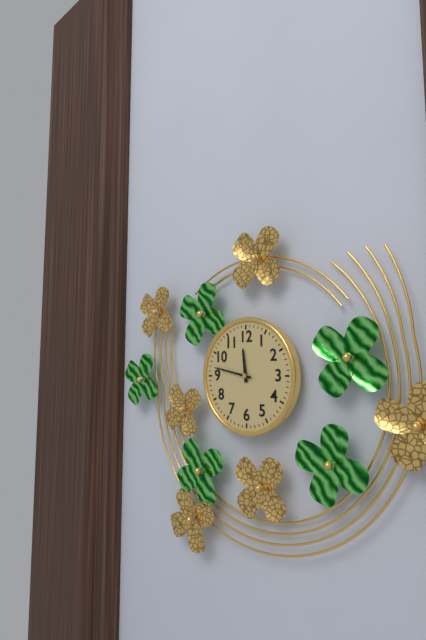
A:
11,47
